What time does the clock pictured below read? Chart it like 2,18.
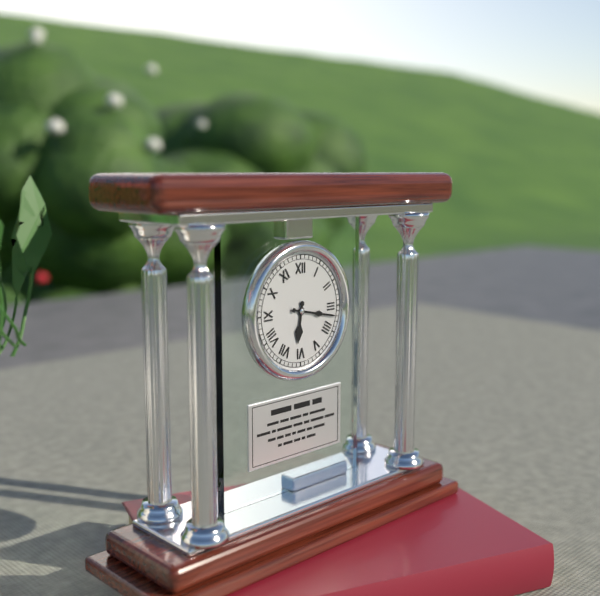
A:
6,17
